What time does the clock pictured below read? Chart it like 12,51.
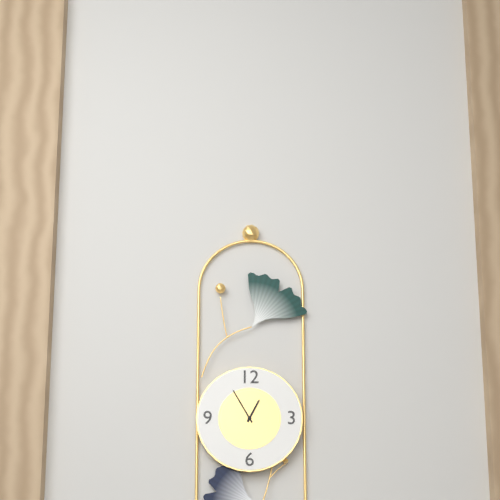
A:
12,55
